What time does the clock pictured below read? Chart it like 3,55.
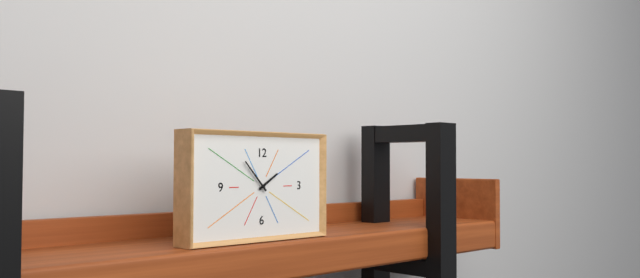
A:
1,53
